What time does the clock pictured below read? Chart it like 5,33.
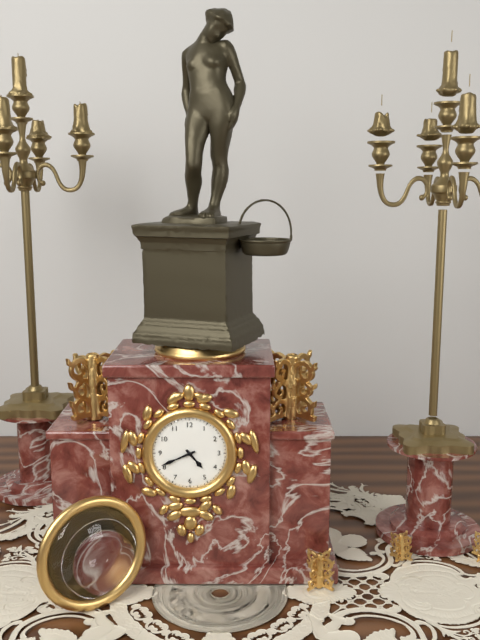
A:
4,41
